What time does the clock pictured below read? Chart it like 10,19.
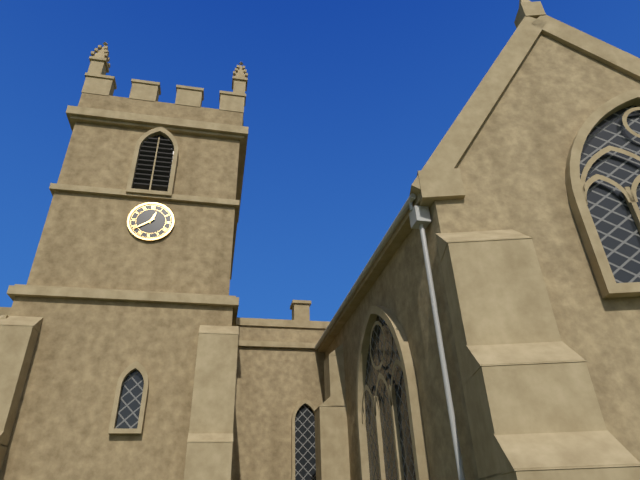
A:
12,39
